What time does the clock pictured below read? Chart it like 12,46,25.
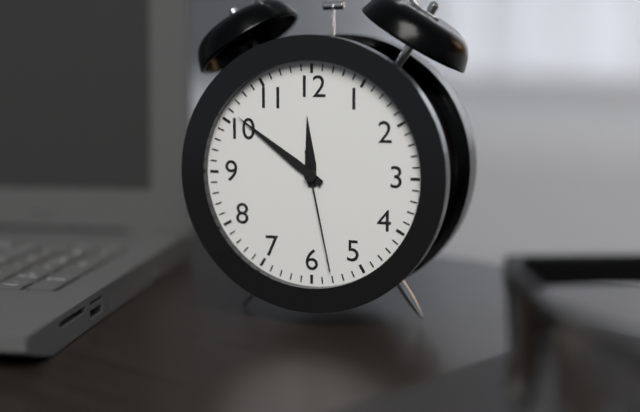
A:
11,51,28
